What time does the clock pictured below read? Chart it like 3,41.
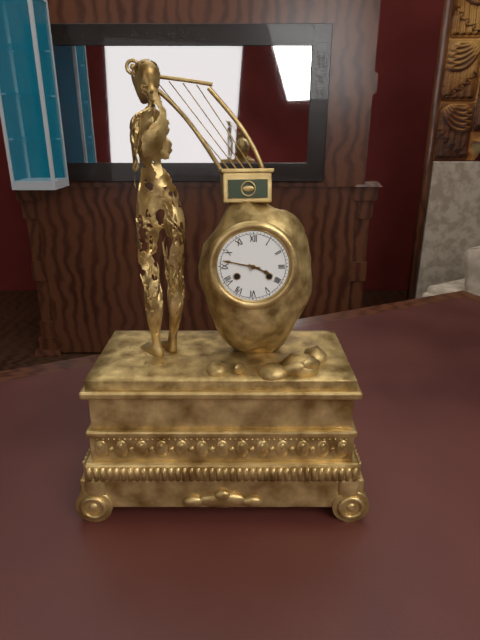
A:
3,47
